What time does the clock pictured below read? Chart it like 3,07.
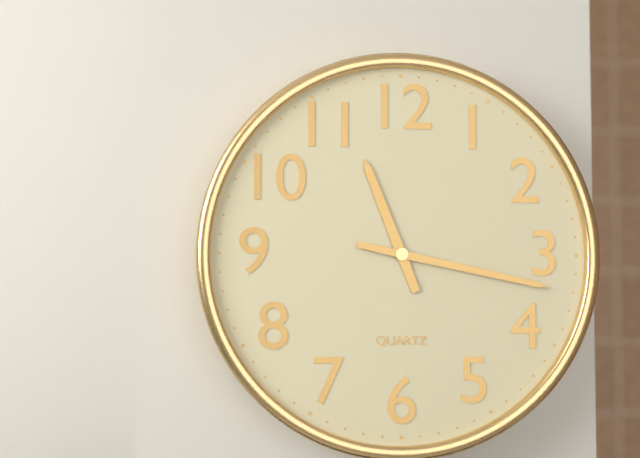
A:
11,17
